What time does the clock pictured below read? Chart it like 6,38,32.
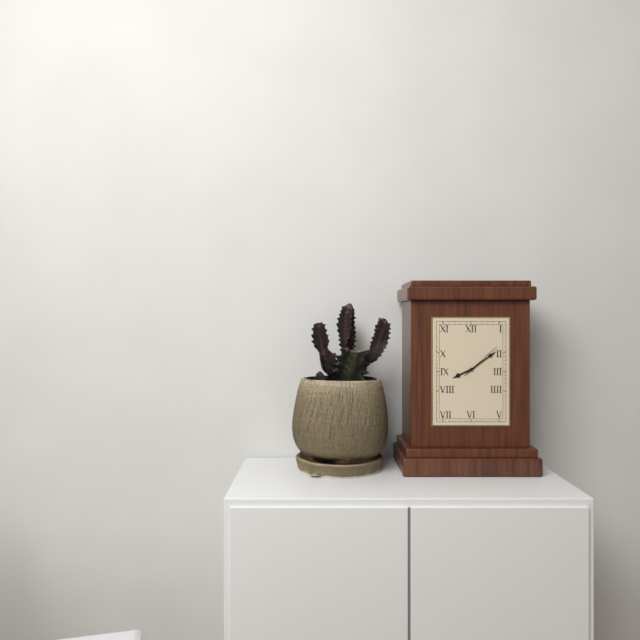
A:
8,09,08
